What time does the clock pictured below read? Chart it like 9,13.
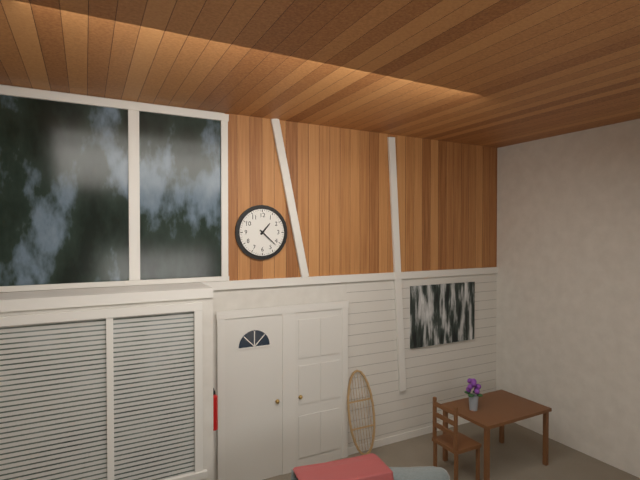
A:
1,22
